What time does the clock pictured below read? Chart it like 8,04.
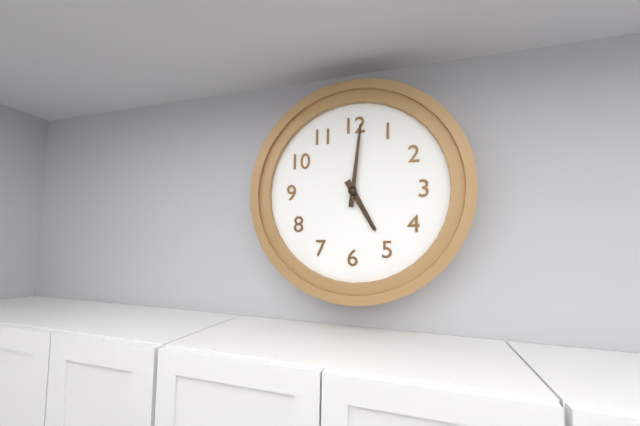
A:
5,01
